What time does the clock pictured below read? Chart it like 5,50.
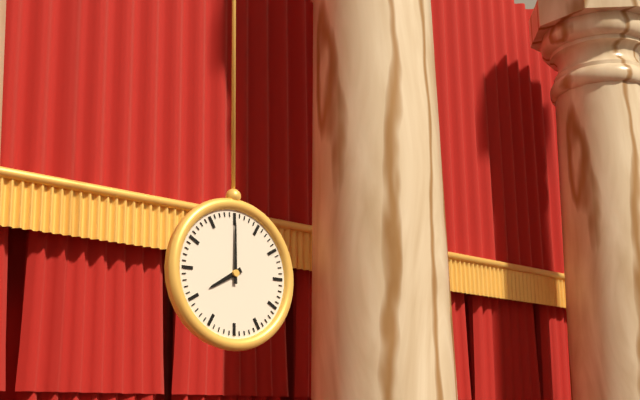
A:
8,00
